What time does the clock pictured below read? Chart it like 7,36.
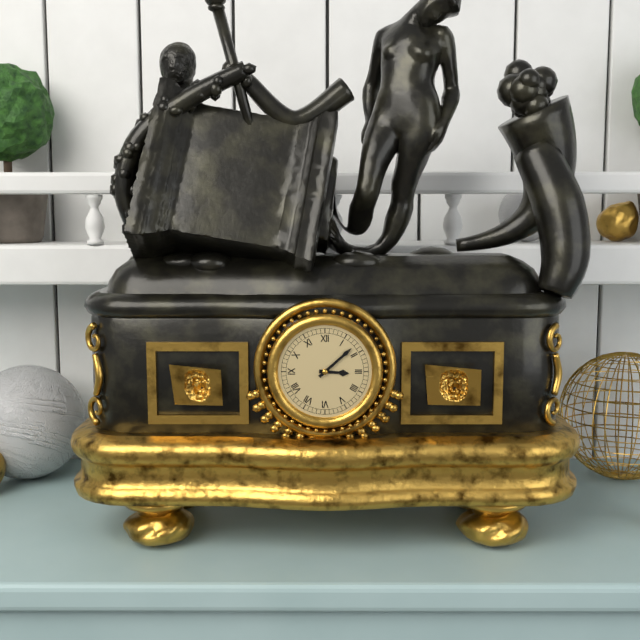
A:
3,08
